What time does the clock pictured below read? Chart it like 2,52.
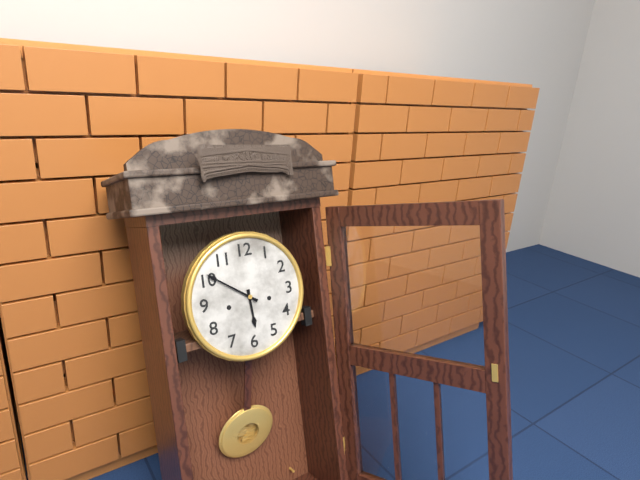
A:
5,51
